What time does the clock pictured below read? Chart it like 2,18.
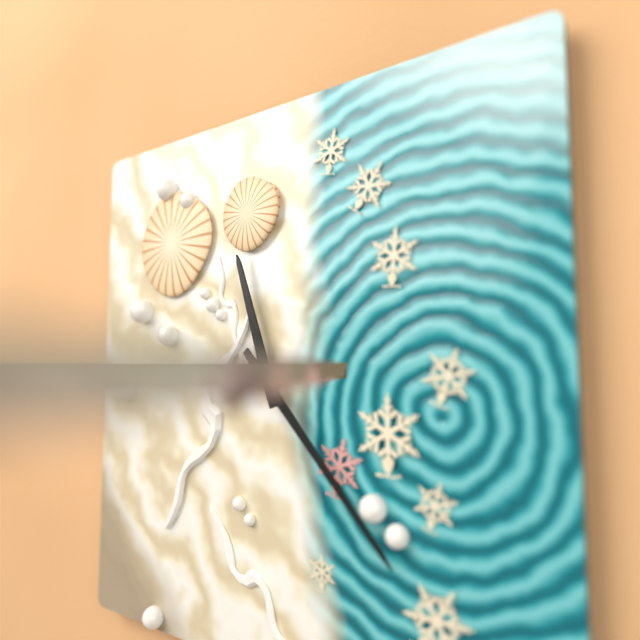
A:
11,23
